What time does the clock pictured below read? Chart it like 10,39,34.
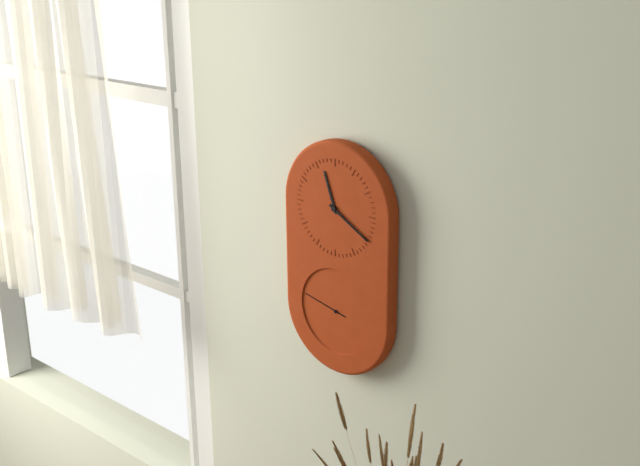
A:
11,20,47
